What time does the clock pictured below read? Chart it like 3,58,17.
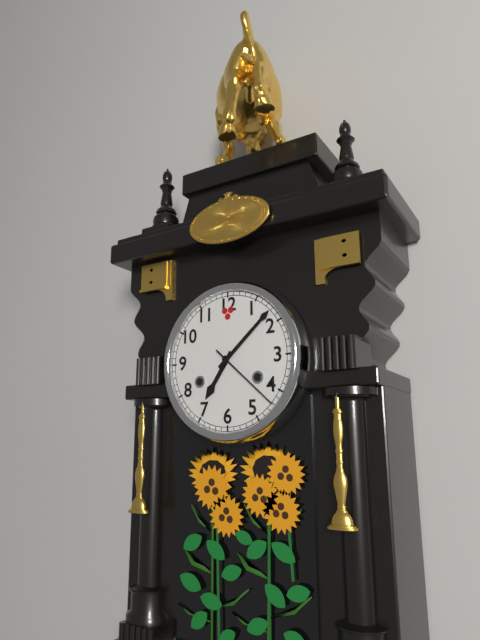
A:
7,08,22
